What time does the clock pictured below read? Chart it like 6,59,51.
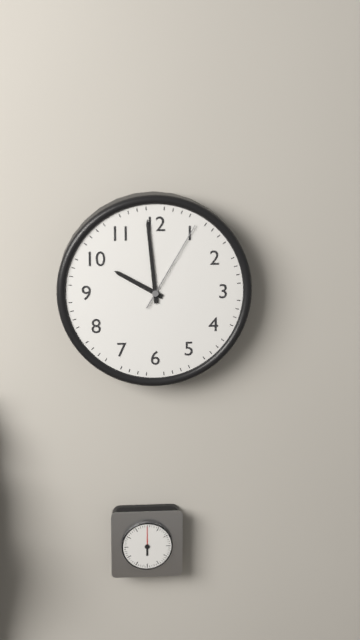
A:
9,59,05
